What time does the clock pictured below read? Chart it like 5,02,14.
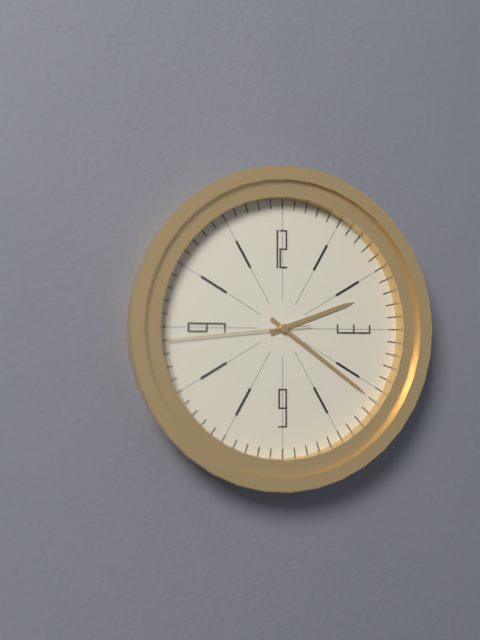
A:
2,21,44
